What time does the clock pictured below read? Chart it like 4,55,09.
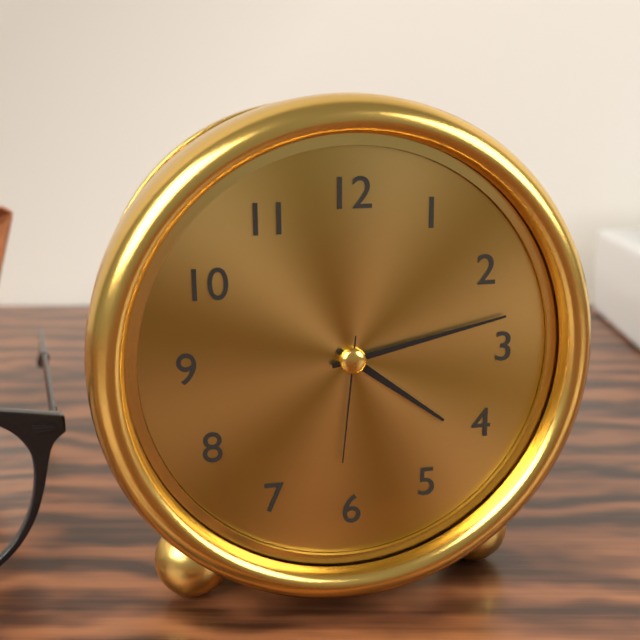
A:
4,13,31
